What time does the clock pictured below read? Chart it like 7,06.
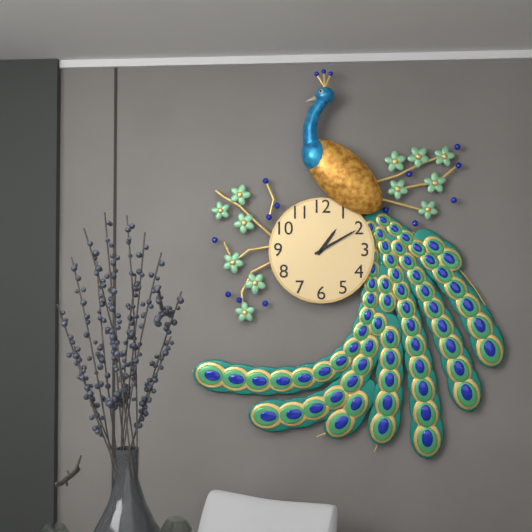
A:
1,10
